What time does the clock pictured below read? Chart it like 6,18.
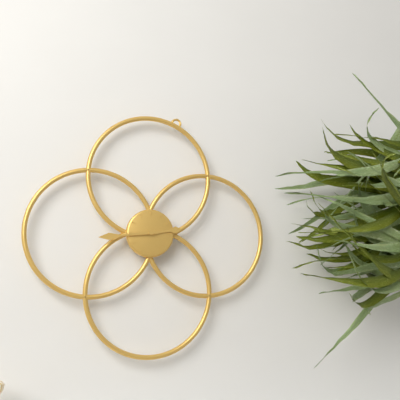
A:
2,44
